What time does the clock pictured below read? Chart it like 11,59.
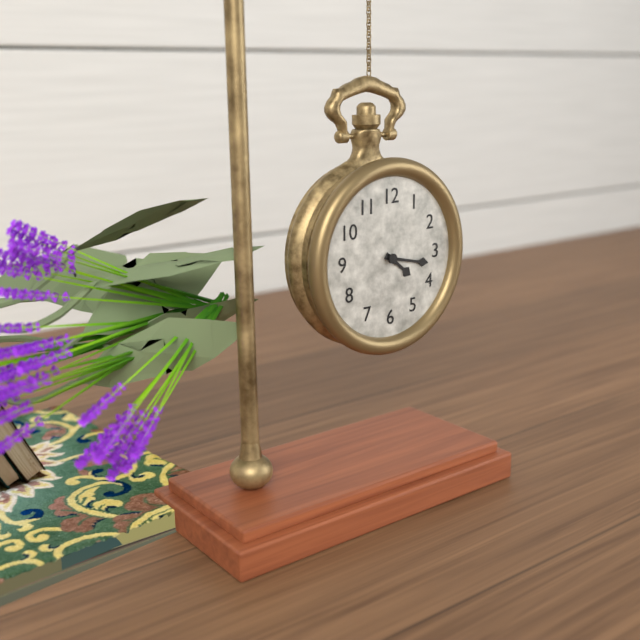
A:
4,17
